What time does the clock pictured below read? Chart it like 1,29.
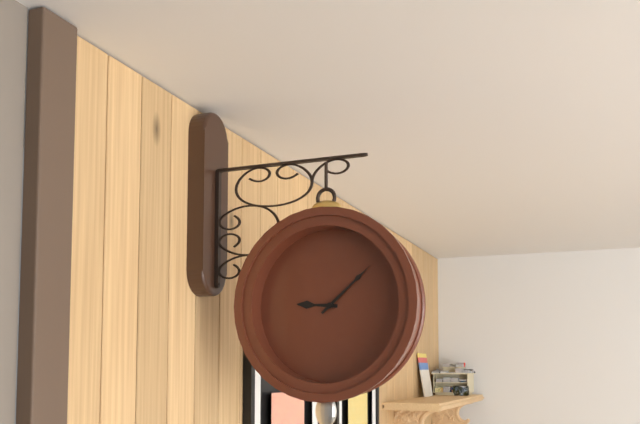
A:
9,08
